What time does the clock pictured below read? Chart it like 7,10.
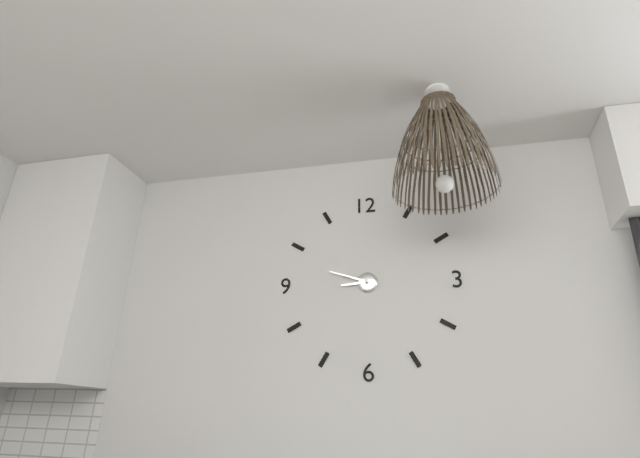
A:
8,48
